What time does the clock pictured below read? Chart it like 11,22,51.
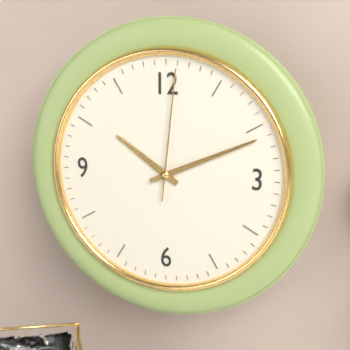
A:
10,11,01
